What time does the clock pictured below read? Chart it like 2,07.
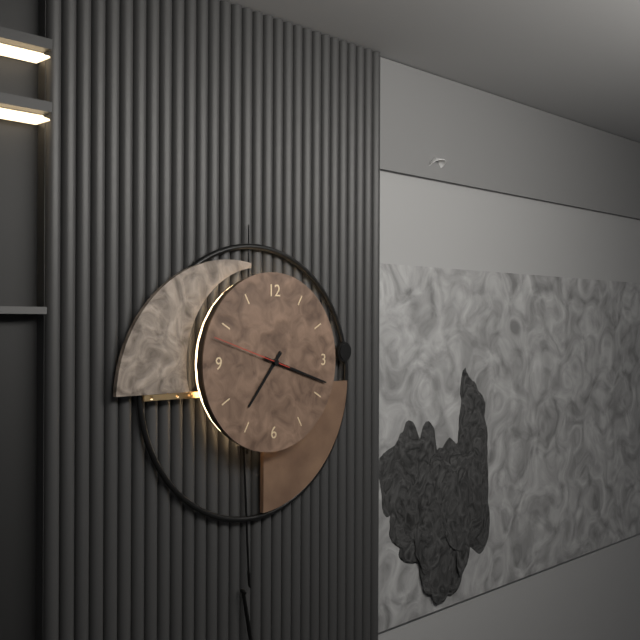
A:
7,18
